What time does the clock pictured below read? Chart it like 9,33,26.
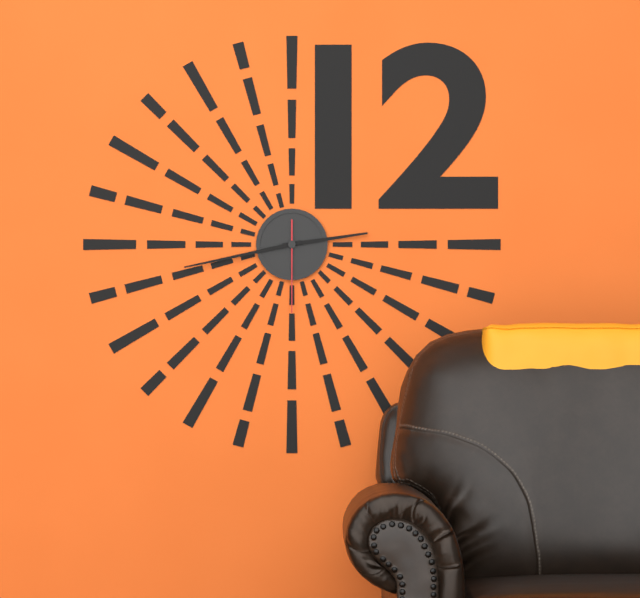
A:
2,43,30
